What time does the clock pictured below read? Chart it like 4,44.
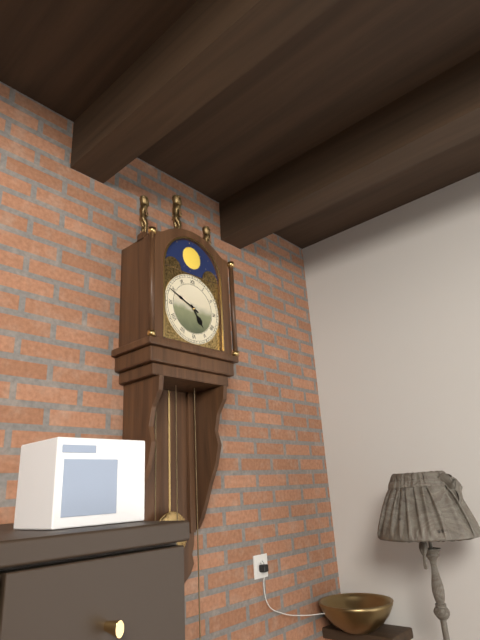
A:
4,49
